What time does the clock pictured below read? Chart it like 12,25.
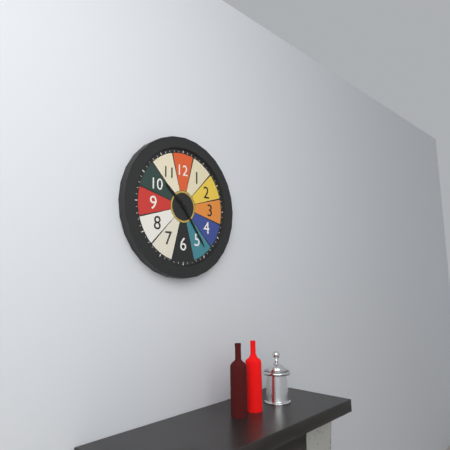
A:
10,24
